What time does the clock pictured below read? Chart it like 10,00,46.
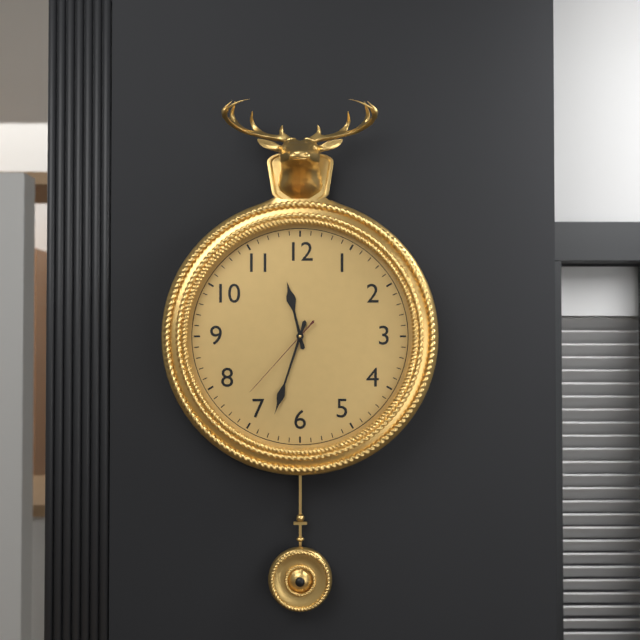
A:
11,33,37
